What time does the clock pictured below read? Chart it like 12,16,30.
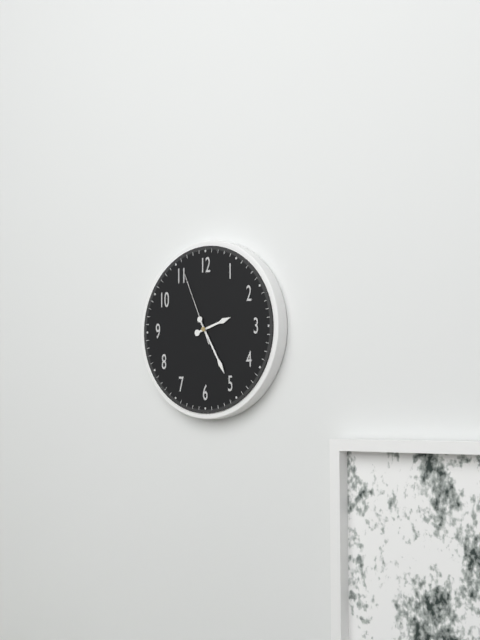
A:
2,25,56
